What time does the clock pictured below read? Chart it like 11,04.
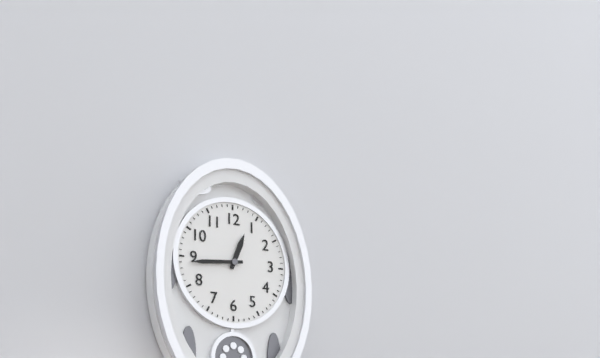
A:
12,44
